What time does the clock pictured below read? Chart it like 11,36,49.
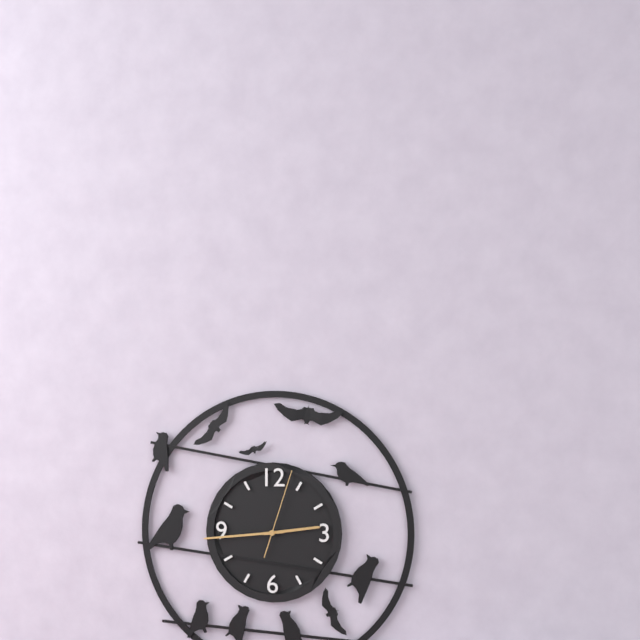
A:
2,44,03
